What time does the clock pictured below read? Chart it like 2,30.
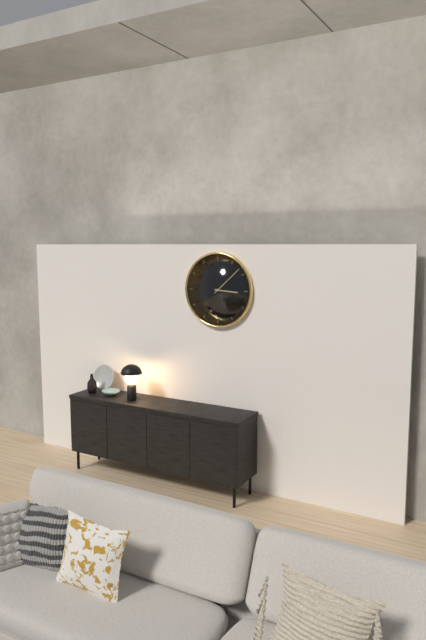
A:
3,08
